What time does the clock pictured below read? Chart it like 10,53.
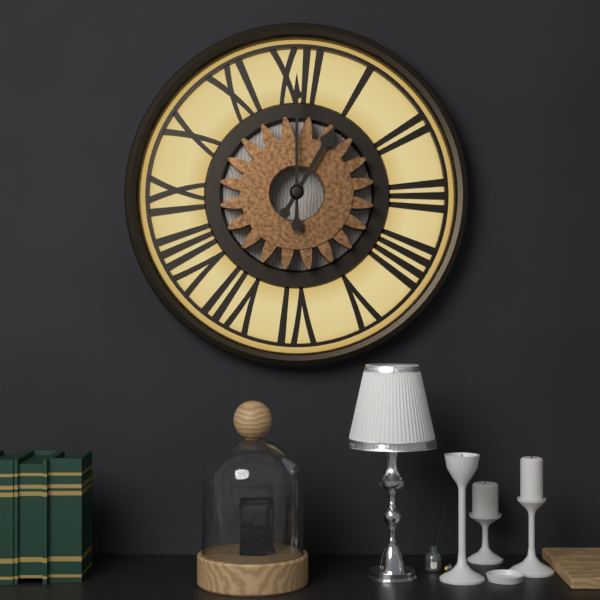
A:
1,00
